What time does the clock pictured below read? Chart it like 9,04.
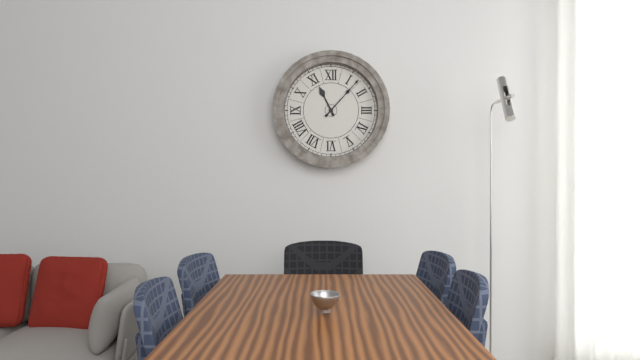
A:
11,07
